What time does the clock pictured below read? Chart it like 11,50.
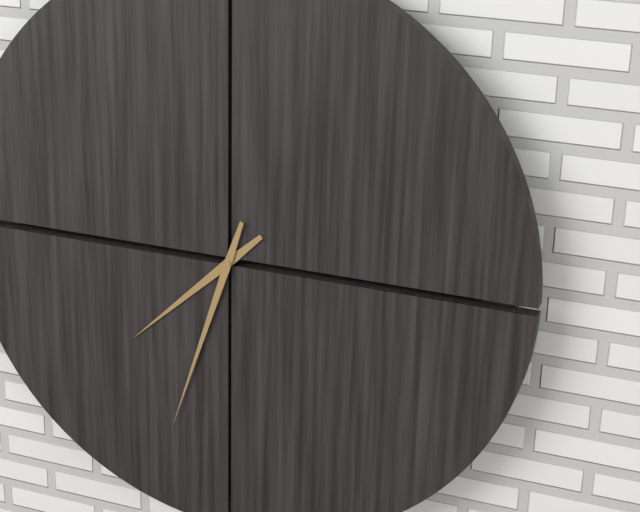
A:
7,33
